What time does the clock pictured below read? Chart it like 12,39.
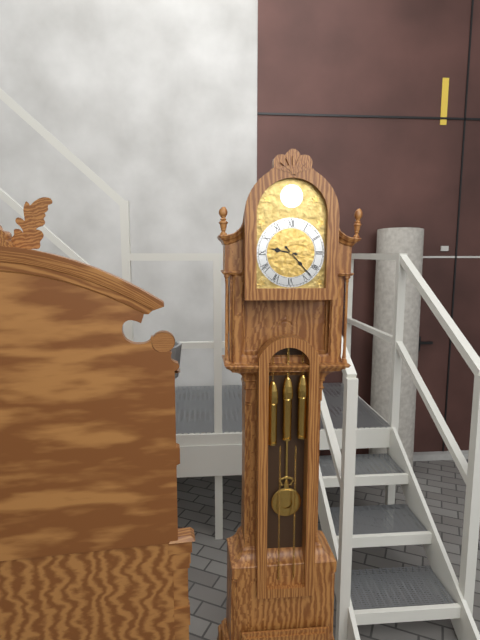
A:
9,23
